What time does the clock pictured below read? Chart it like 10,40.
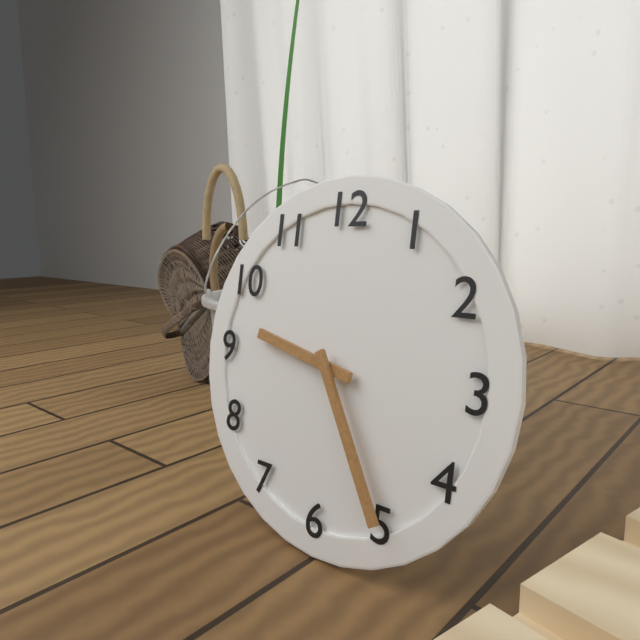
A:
9,25
